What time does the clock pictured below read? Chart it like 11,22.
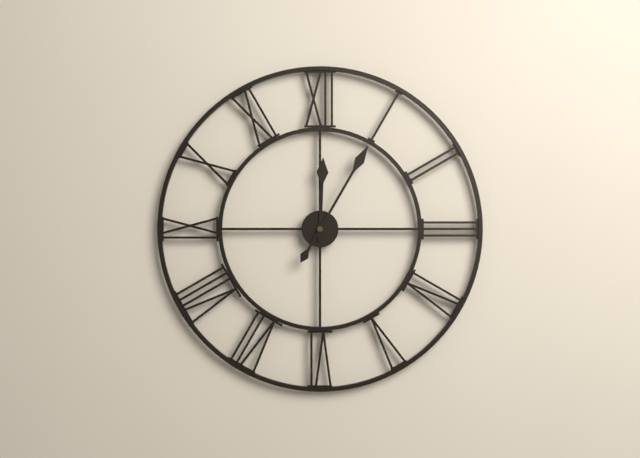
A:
12,05
